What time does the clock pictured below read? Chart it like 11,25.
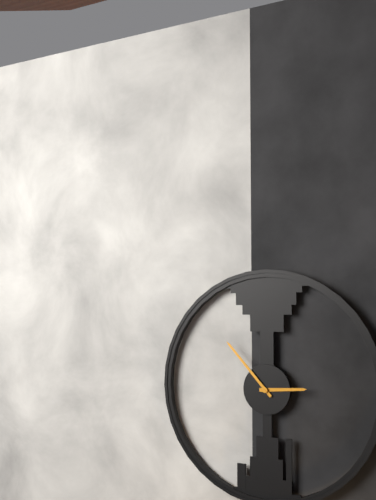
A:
2,53
